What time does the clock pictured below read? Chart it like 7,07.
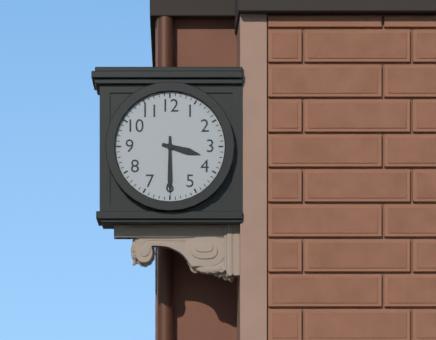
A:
3,30
